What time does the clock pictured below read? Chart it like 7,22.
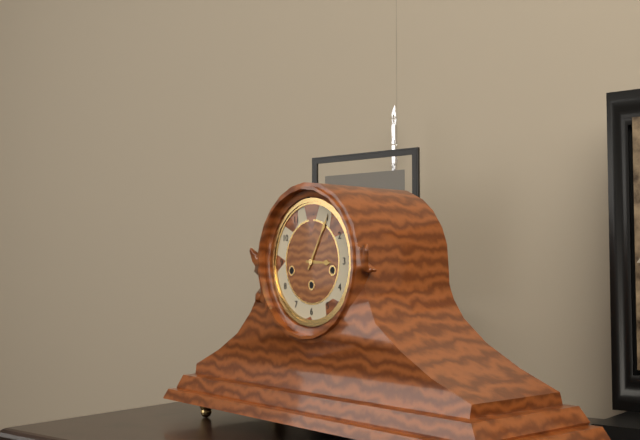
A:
3,05
